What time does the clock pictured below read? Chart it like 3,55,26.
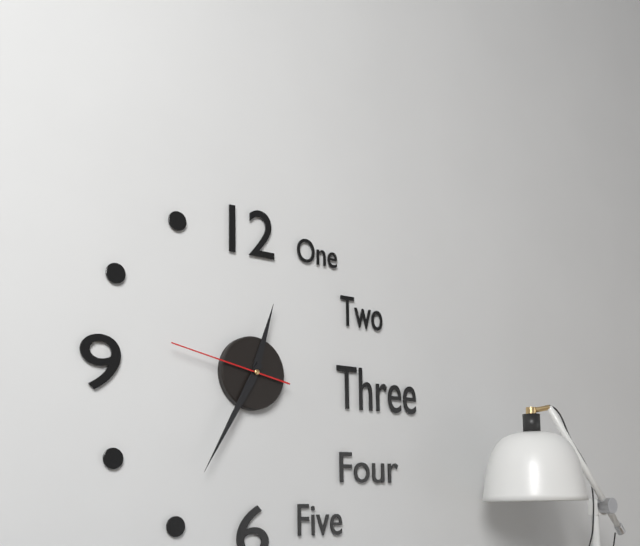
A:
12,35,47
